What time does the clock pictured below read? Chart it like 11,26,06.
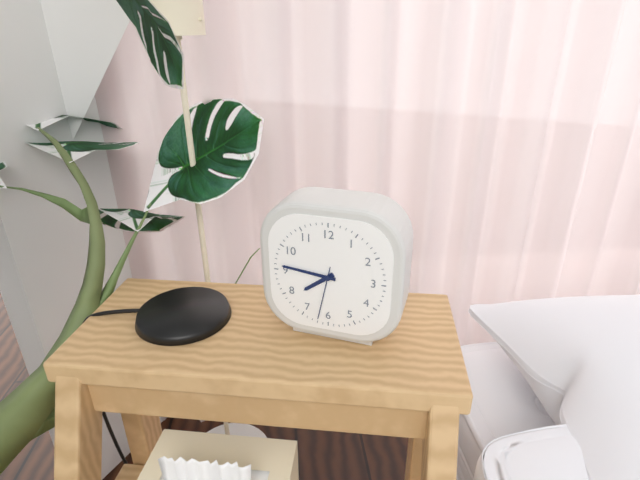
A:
7,46,32
